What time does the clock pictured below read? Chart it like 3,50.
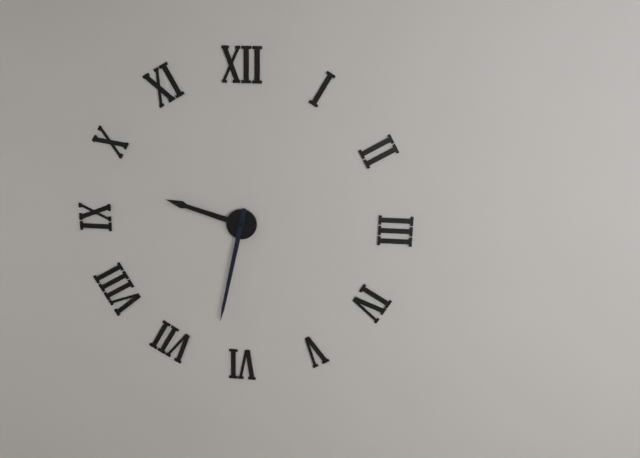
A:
9,32
